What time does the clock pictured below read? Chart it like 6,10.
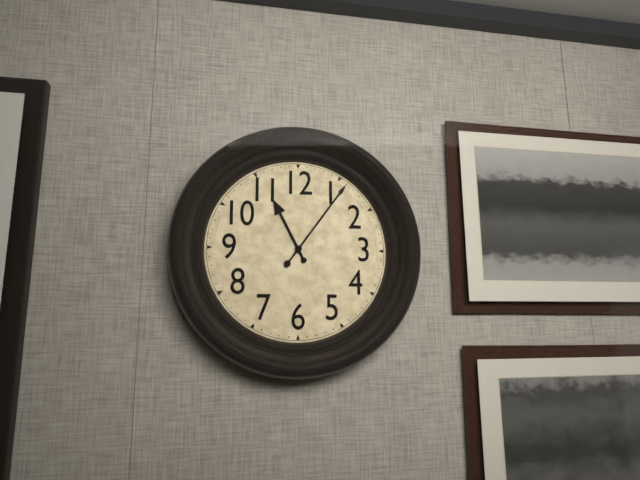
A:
11,06
